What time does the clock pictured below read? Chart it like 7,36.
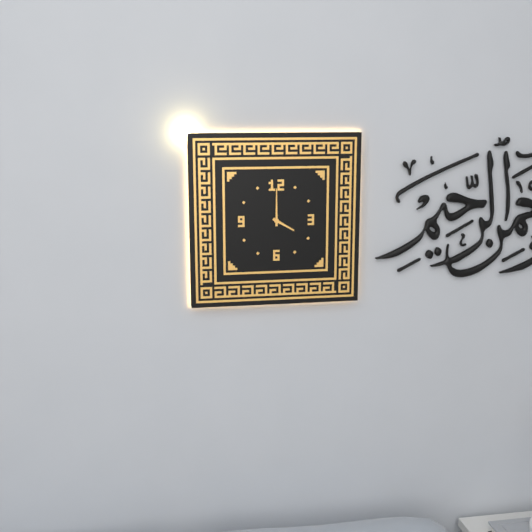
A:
4,00
